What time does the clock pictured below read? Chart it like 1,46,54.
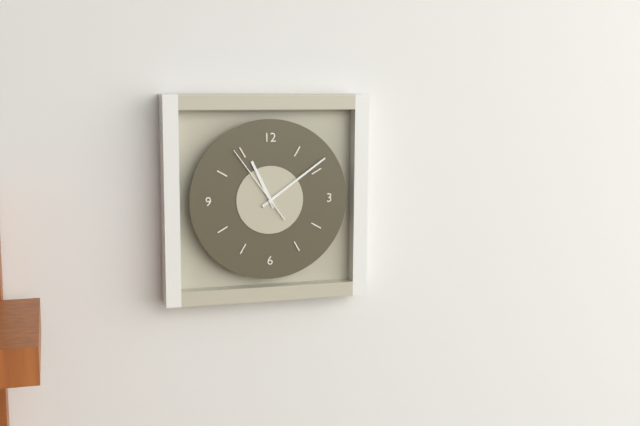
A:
11,09,54
